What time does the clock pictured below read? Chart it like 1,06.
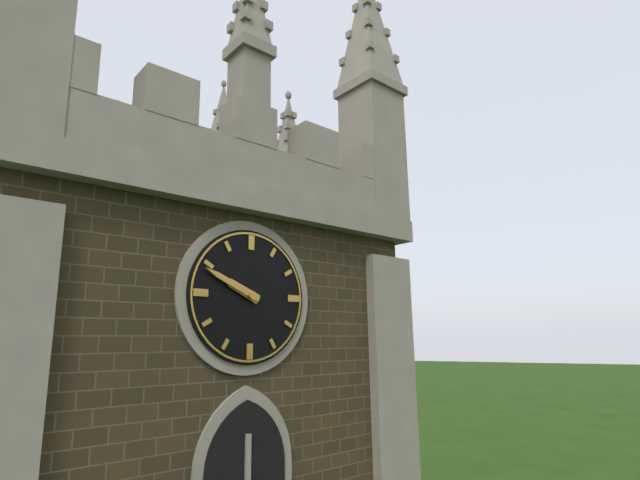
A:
9,49
